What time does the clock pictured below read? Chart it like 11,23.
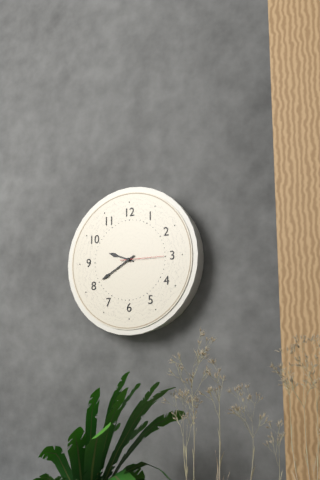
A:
9,40
